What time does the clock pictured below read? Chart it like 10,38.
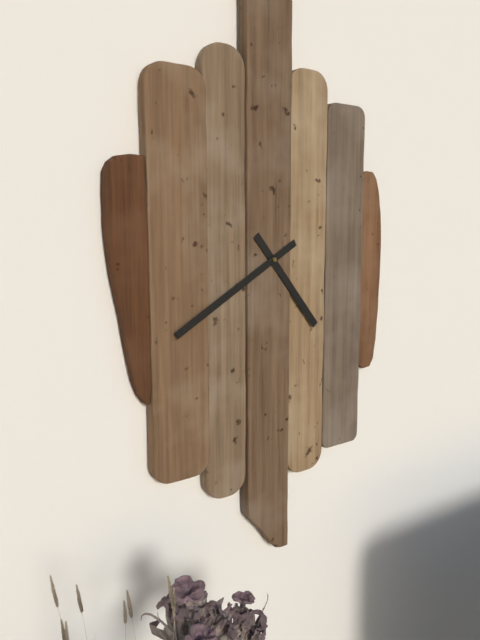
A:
4,40
